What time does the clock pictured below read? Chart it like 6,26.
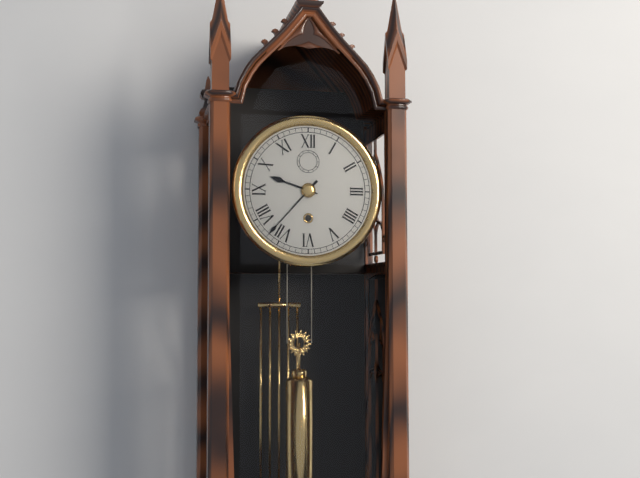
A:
9,37
